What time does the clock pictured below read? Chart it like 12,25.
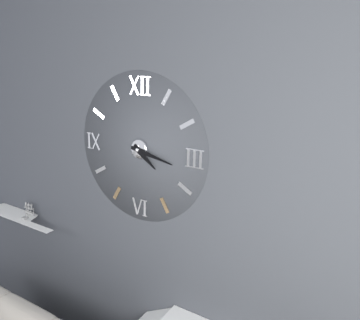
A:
4,17
